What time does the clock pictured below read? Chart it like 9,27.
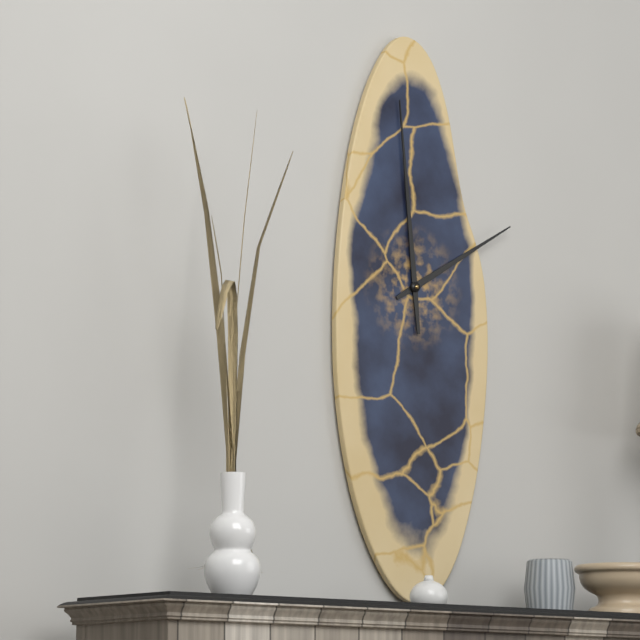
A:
1,59
